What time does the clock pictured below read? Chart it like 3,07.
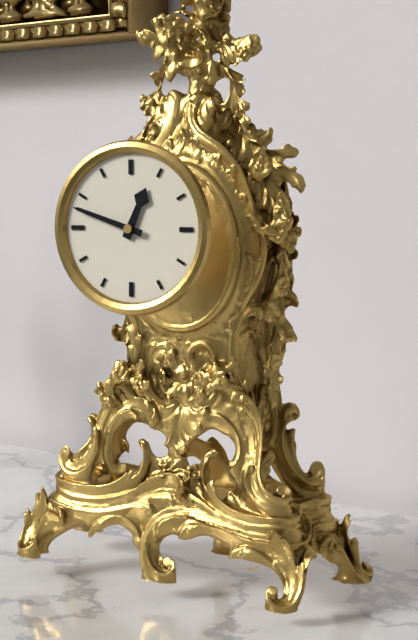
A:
12,48
